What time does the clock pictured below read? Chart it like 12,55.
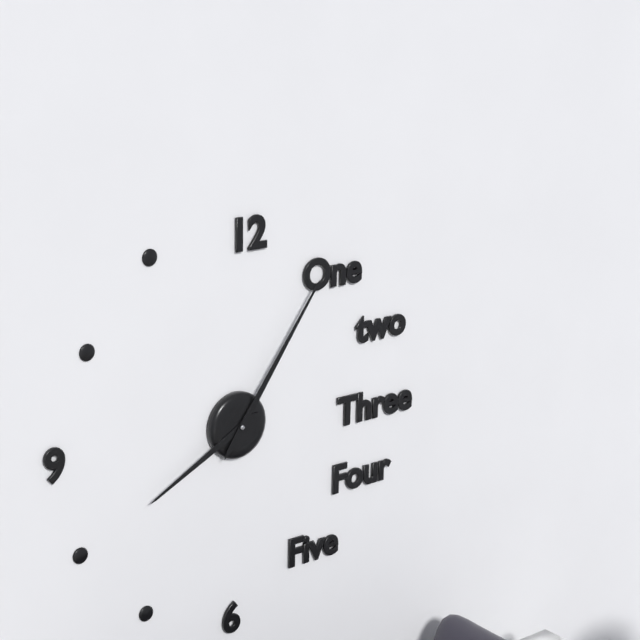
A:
8,06
